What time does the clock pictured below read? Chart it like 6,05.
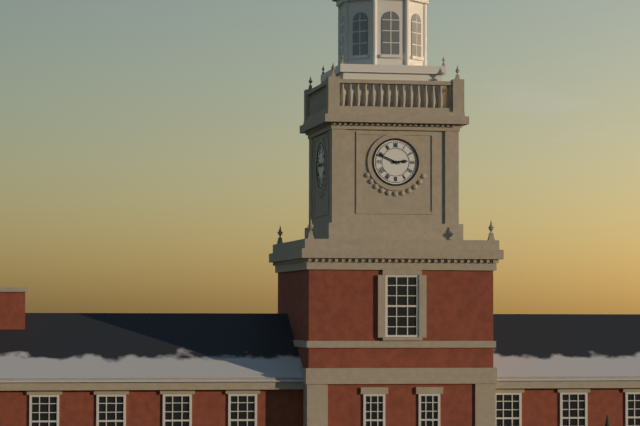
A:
2,49
